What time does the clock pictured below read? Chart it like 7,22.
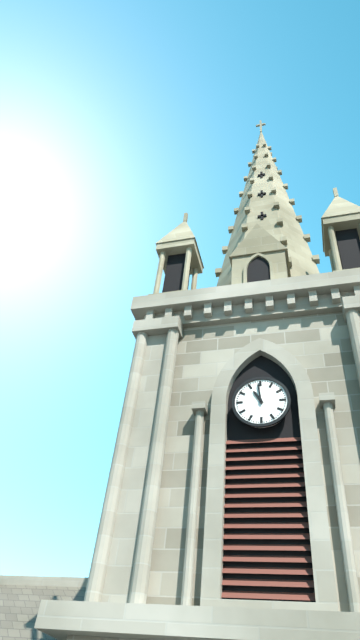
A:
10,59
